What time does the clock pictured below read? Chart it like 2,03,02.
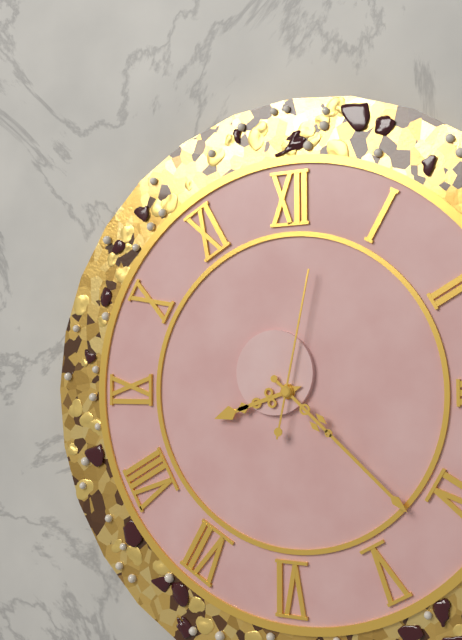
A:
8,22,02
